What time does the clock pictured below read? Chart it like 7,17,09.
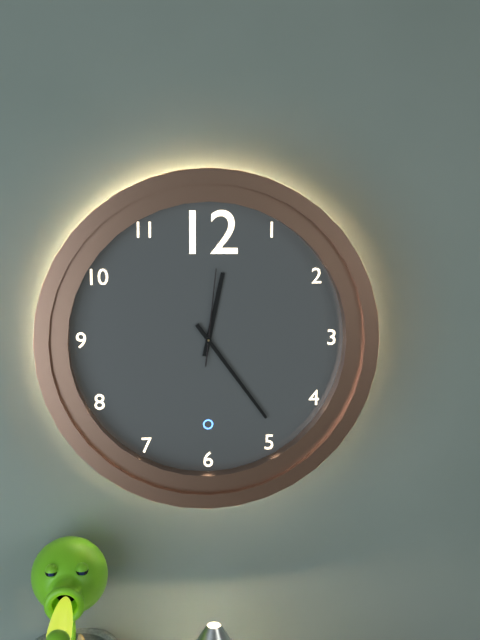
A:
12,24,01
